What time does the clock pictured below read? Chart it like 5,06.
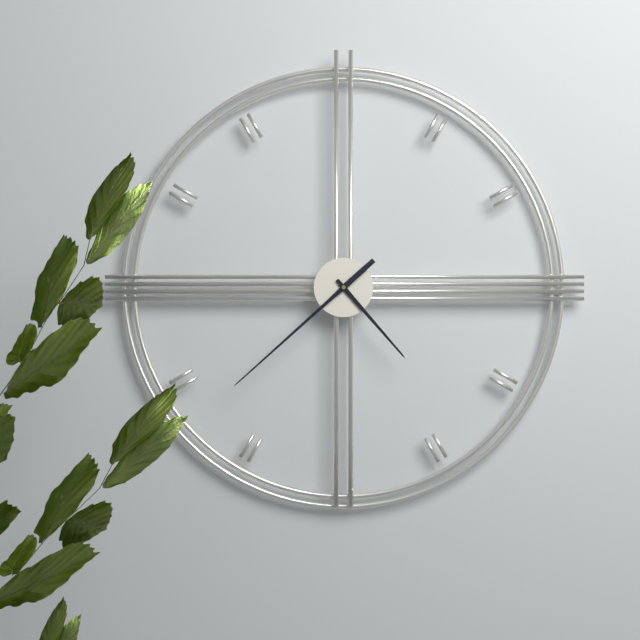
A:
4,38
